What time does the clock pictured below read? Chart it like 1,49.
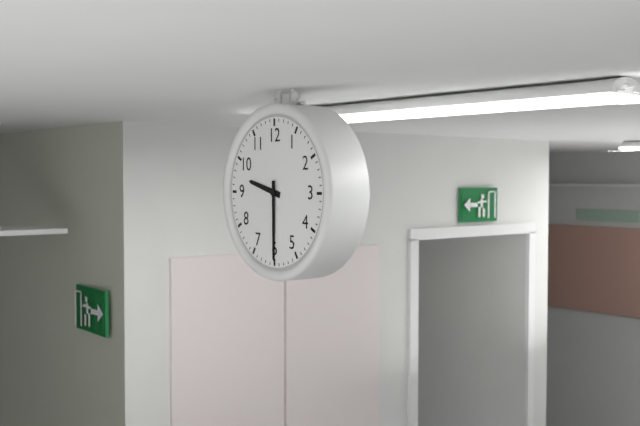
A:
9,30
